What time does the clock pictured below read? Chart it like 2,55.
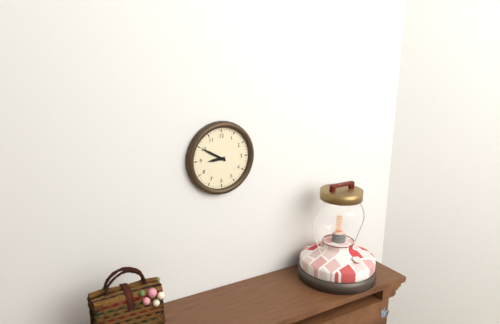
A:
8,50
